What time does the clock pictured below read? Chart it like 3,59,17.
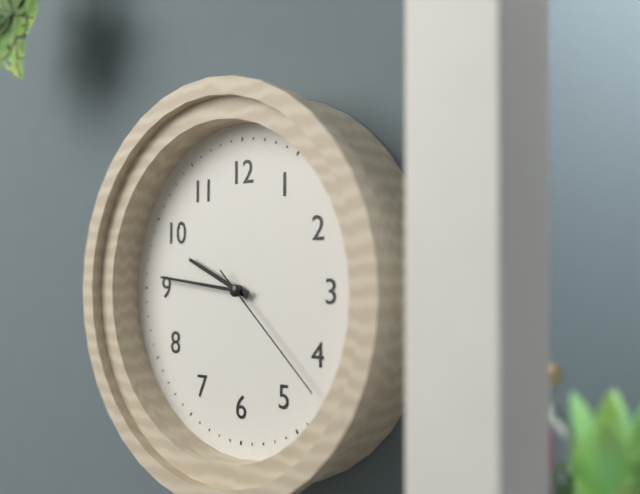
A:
9,46,22
